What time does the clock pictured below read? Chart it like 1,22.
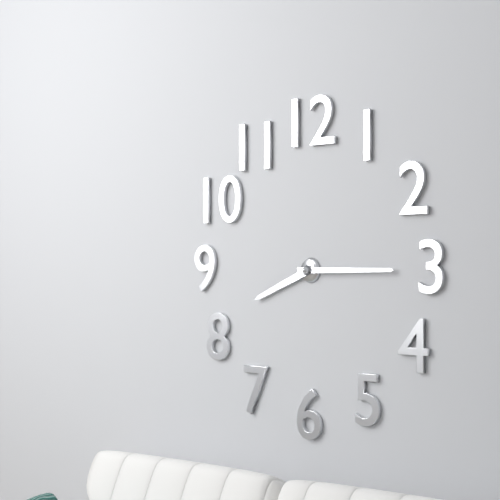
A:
8,15
